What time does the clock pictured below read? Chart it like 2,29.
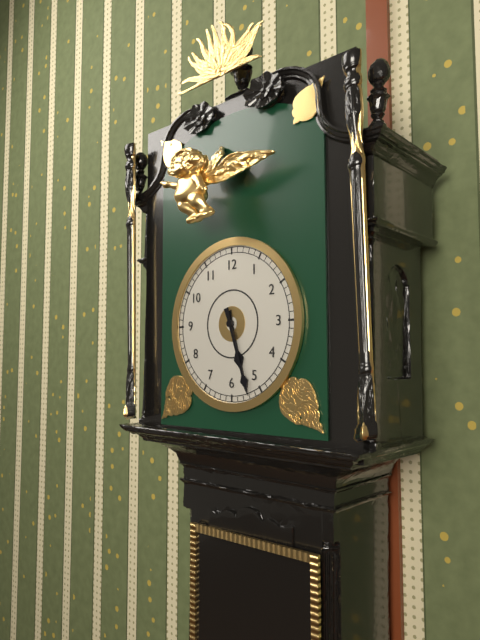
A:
5,27
